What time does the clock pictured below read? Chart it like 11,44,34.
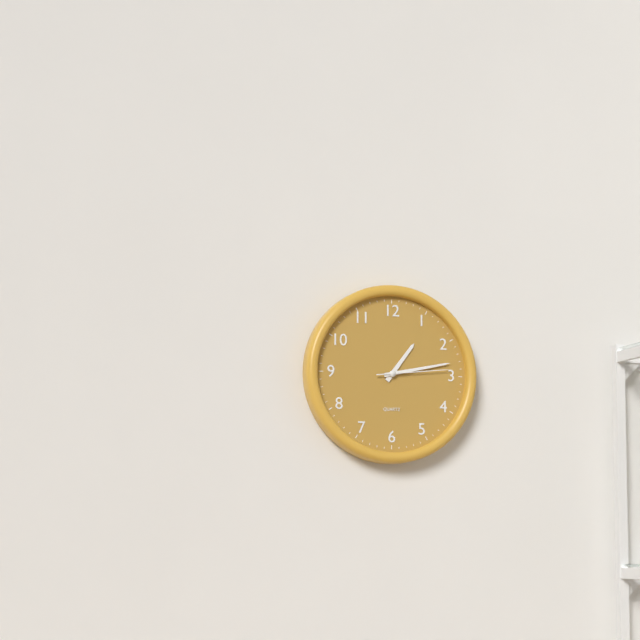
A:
1,13,14
